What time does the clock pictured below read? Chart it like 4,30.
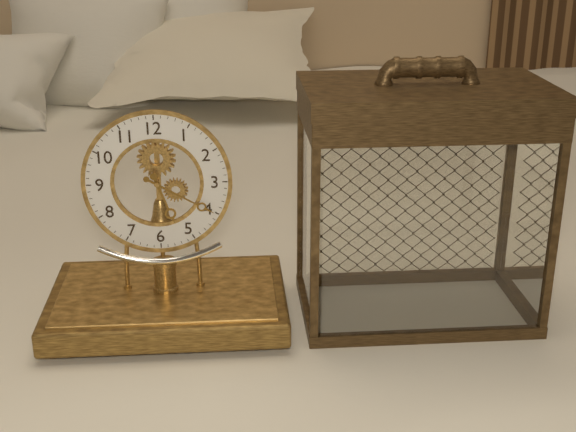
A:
5,20
